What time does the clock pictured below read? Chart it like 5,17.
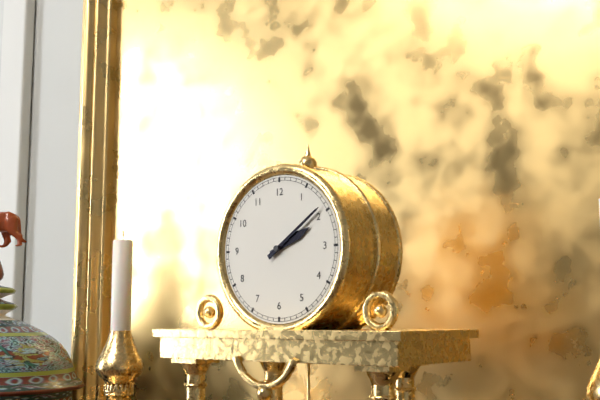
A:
2,09
